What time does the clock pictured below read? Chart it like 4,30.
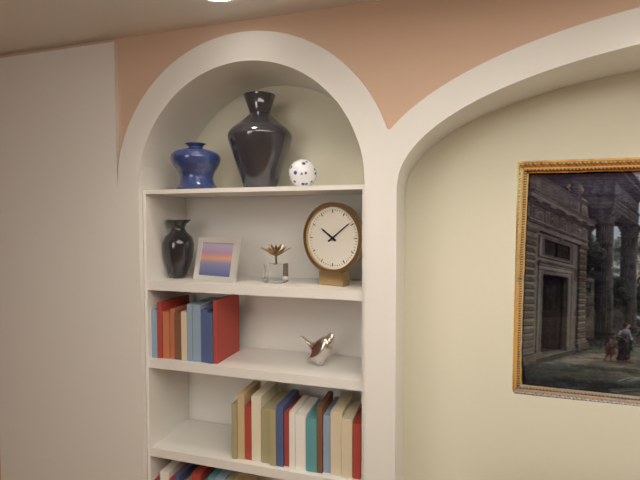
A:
10,09
